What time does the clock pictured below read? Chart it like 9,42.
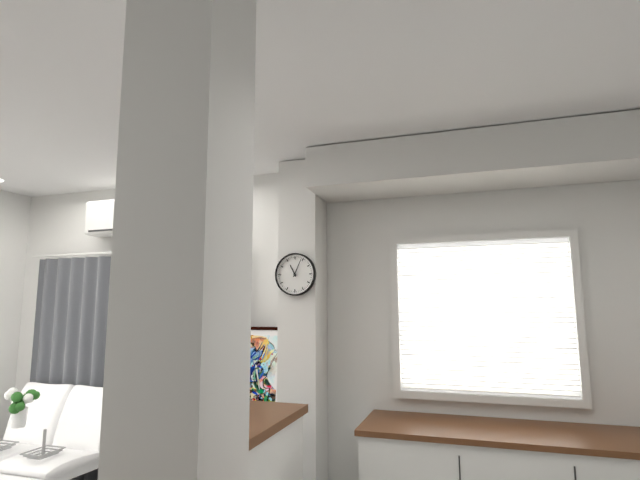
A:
11,04
